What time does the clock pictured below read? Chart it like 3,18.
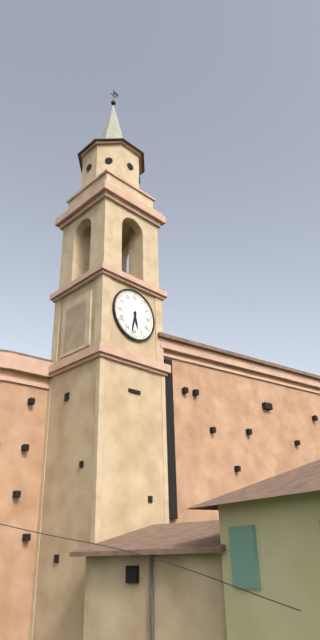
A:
5,32
